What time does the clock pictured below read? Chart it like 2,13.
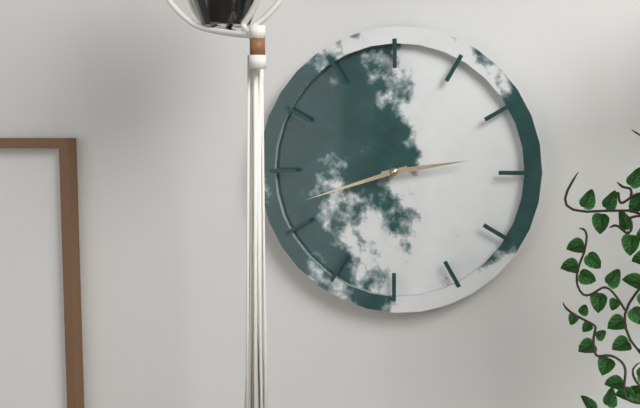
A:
2,42
